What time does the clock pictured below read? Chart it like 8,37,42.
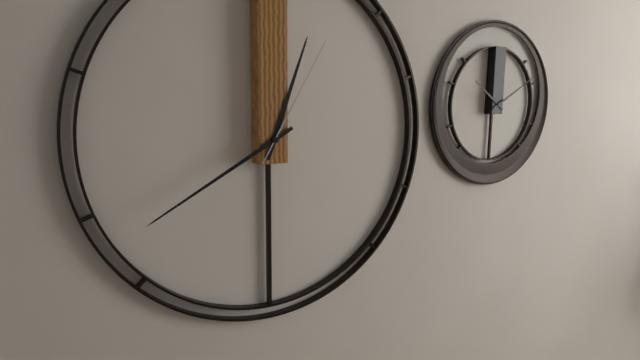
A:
12,40,05
